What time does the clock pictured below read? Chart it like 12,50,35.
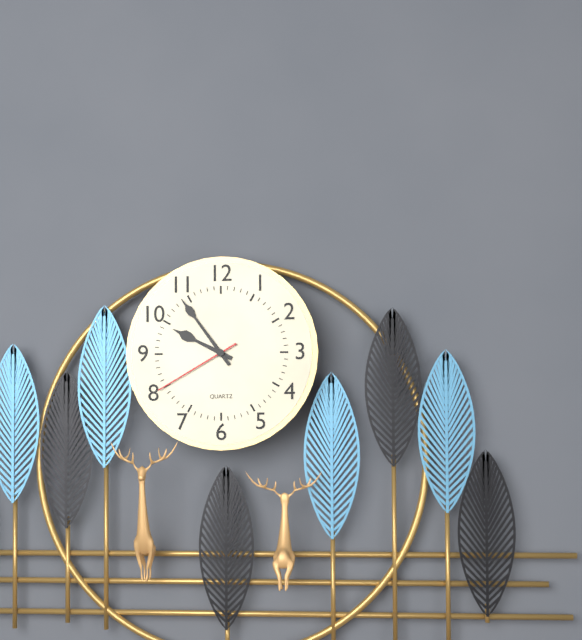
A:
9,54,40
